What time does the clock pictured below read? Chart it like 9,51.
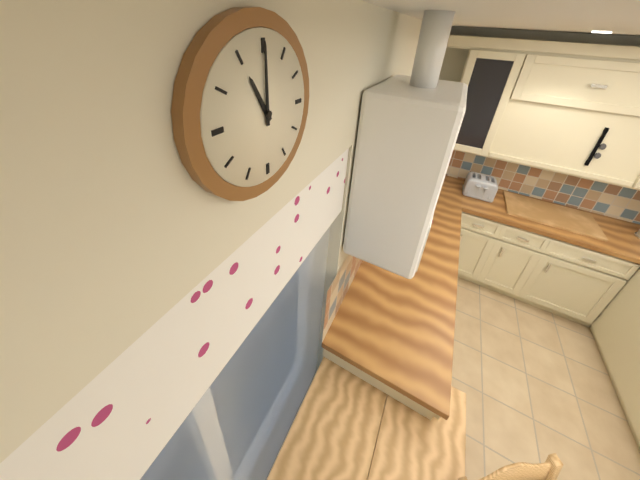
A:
11,00
